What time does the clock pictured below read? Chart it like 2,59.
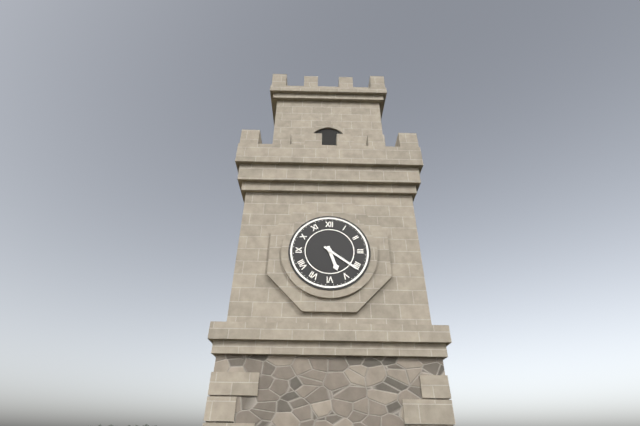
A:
5,21
